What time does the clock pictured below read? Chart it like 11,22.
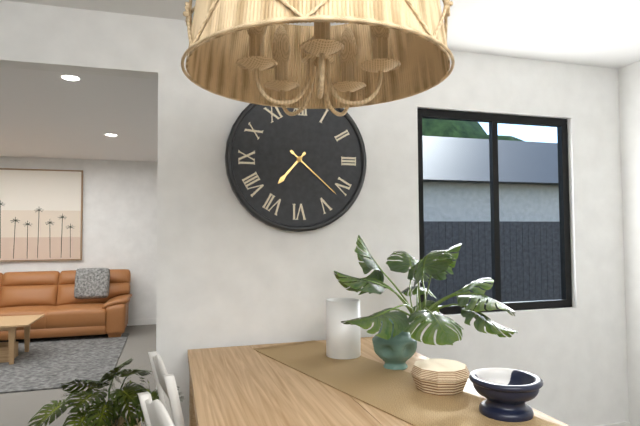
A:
7,22
